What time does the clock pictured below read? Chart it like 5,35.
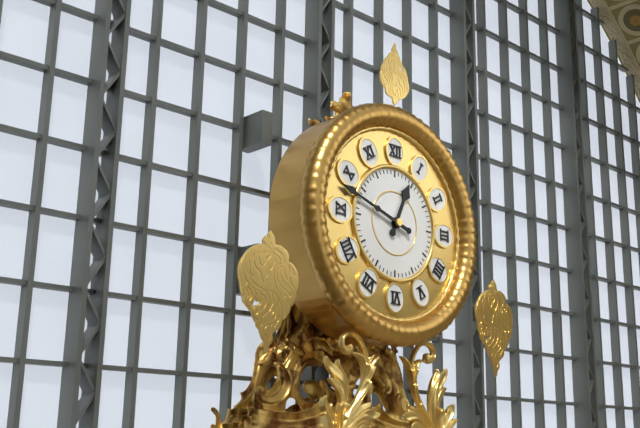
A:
12,48
